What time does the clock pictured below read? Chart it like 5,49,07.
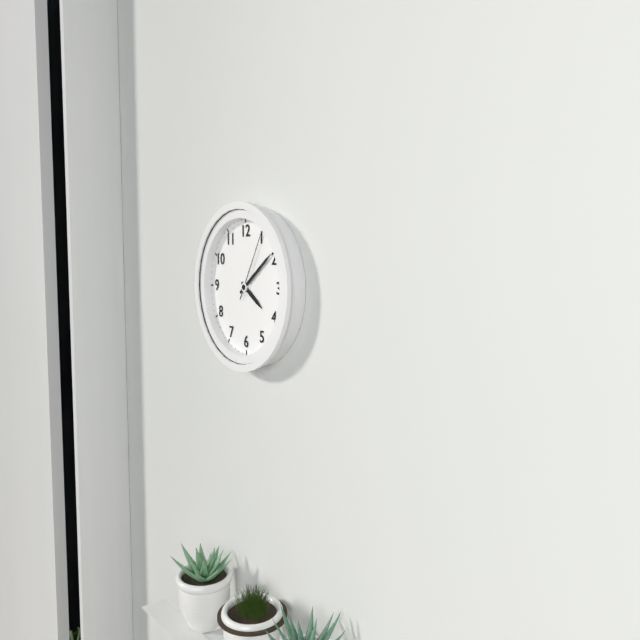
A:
4,09,05
